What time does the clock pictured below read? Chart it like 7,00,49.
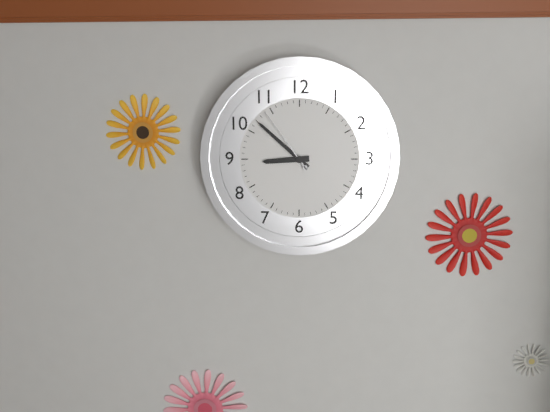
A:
8,52,54
